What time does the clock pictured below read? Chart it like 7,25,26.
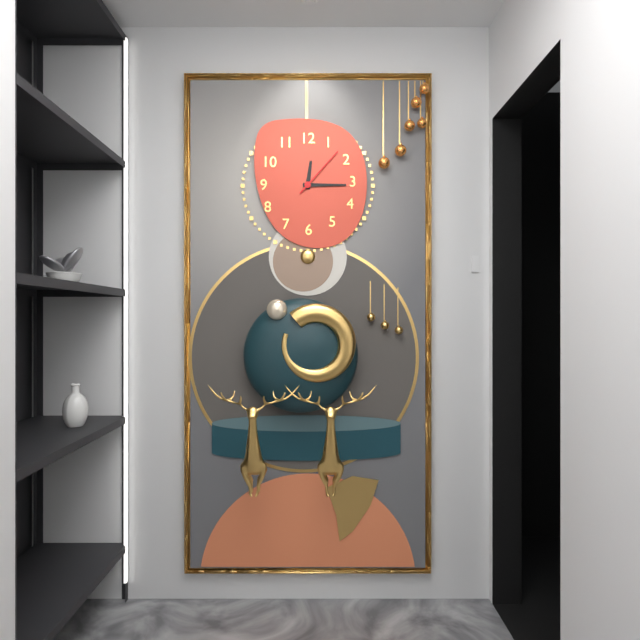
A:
12,15,07
